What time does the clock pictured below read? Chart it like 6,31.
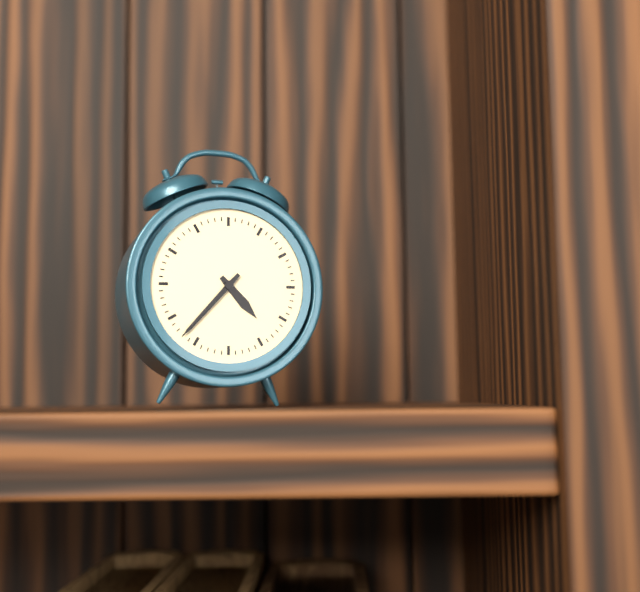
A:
4,37
